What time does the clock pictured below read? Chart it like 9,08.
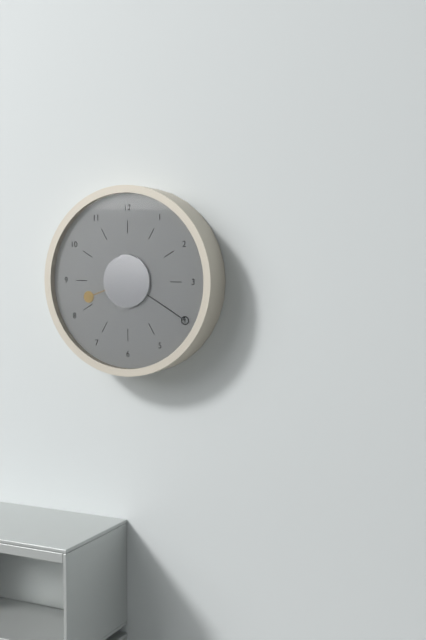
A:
8,20
